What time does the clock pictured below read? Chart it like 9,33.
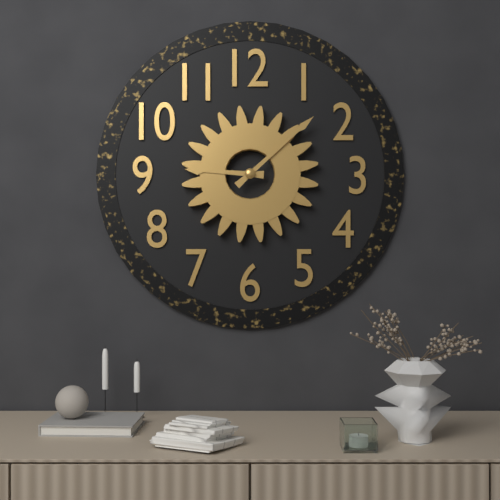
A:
9,08
